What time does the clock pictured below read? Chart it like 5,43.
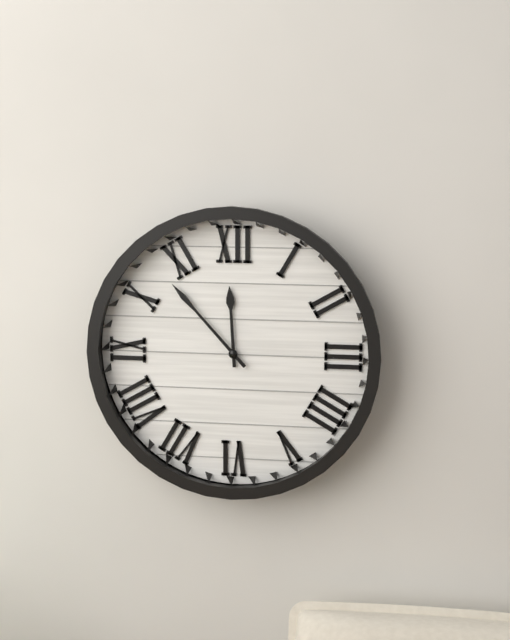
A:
11,53
